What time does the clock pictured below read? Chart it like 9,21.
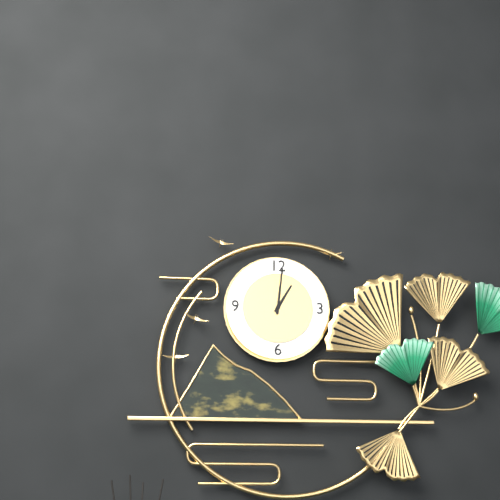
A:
1,01
